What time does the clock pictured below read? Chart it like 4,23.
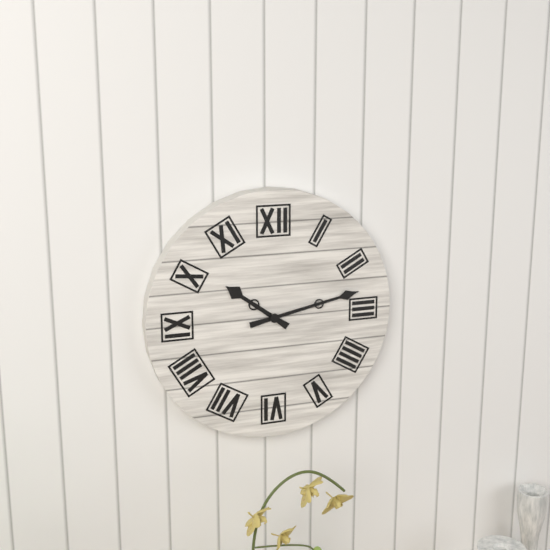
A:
10,13
